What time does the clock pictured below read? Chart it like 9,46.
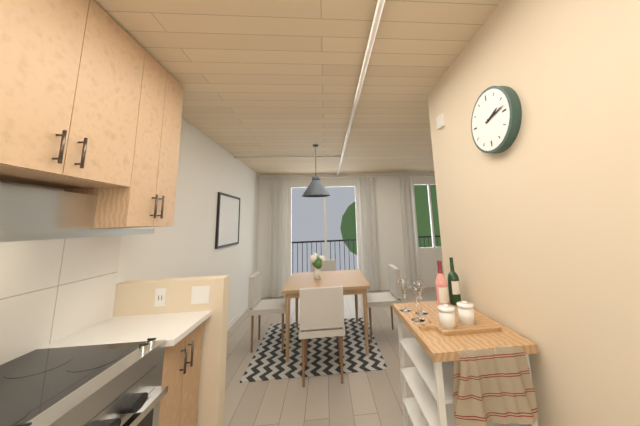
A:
2,13
